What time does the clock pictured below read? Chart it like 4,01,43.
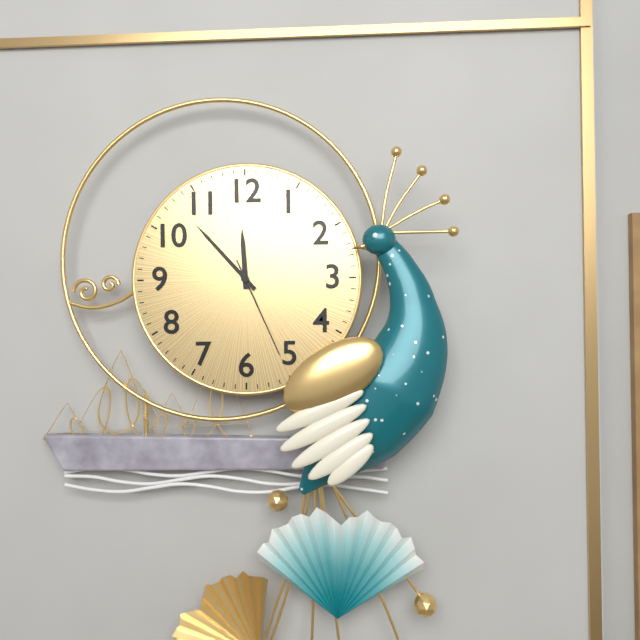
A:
11,53,26
